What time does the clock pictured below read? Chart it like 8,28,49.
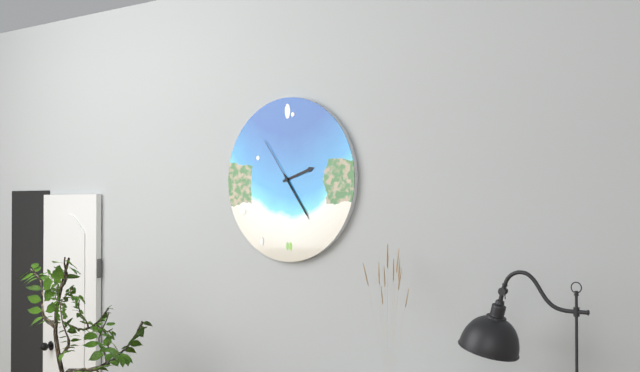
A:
2,24,54
